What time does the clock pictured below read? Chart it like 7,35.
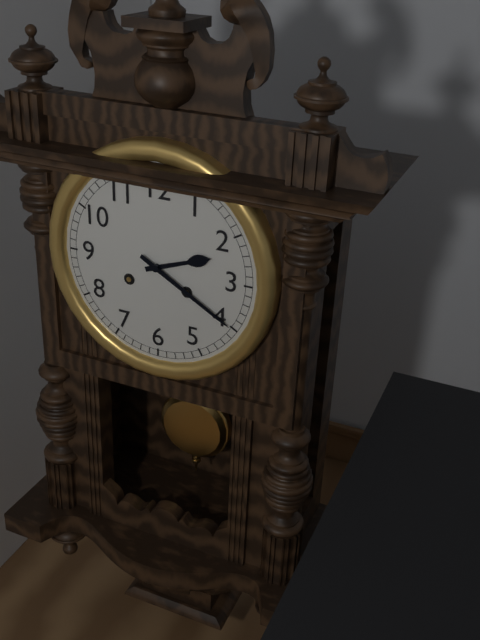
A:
2,20
